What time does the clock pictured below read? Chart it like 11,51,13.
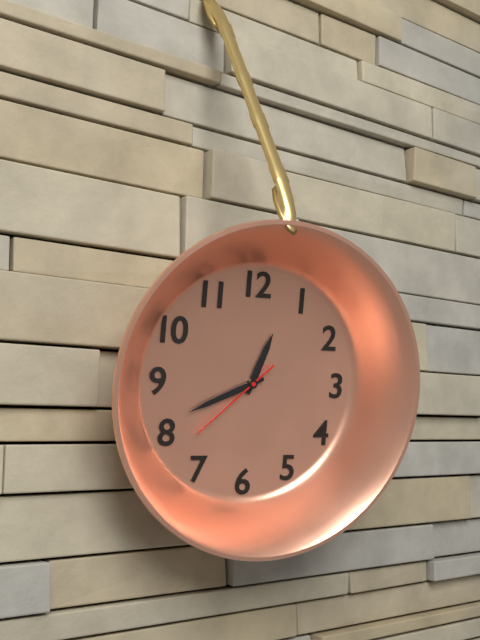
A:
12,41,38
